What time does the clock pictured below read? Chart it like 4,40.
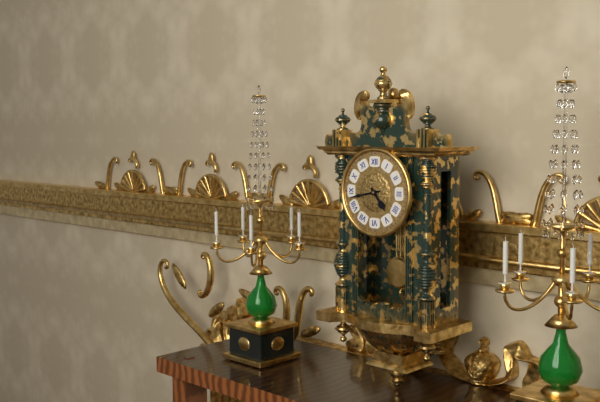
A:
4,43
